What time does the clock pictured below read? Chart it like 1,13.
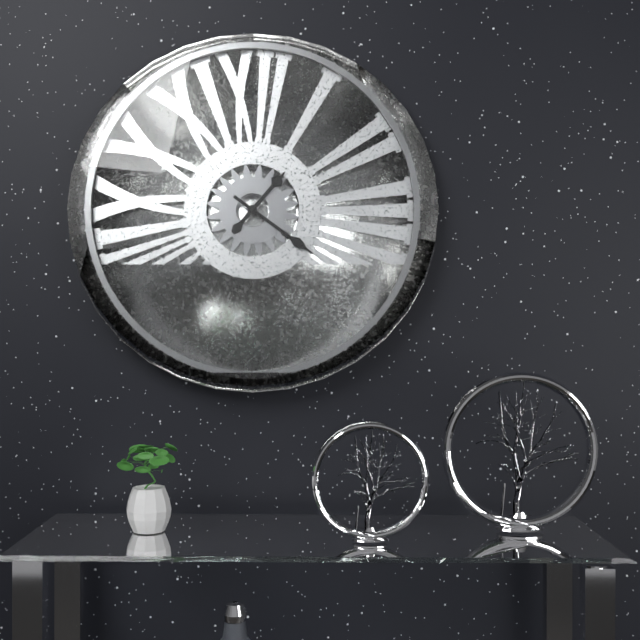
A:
1,21
